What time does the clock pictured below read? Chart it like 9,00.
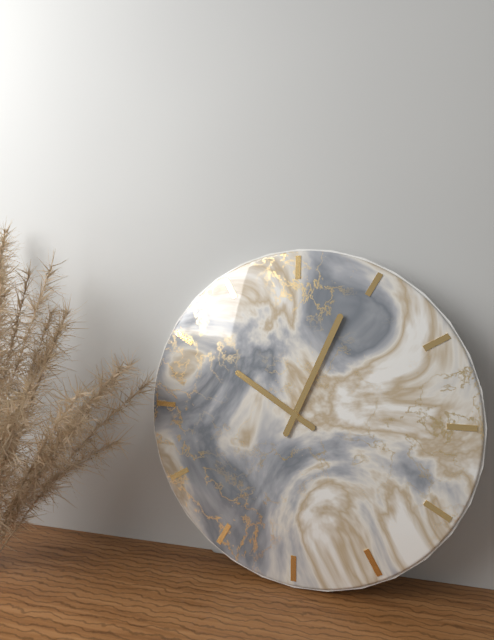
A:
10,04
